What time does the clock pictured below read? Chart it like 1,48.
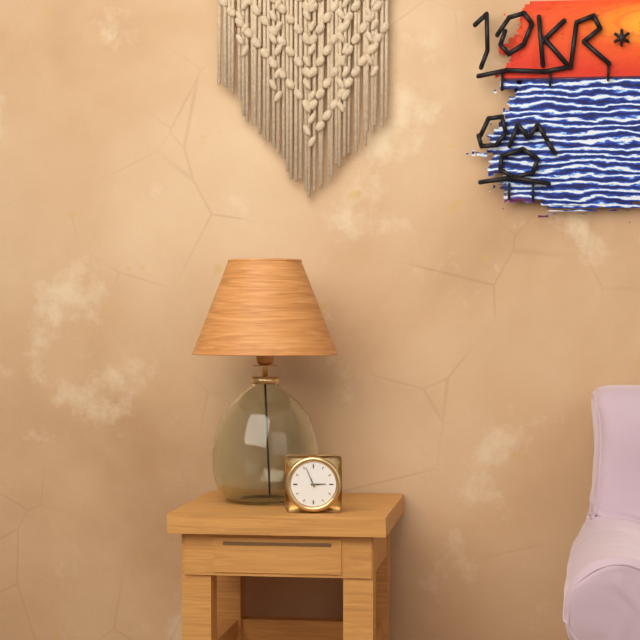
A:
2,56
